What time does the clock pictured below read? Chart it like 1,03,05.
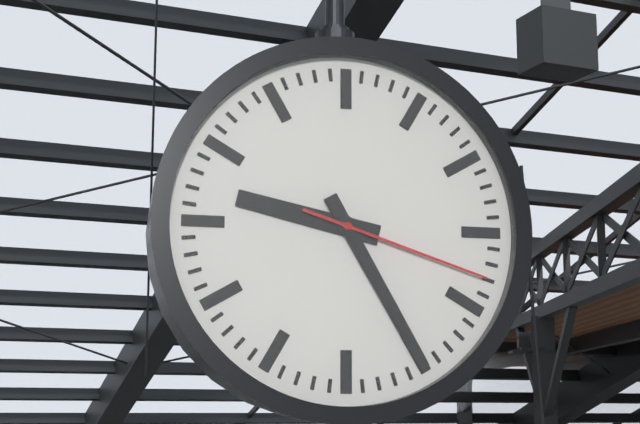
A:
9,25,18
